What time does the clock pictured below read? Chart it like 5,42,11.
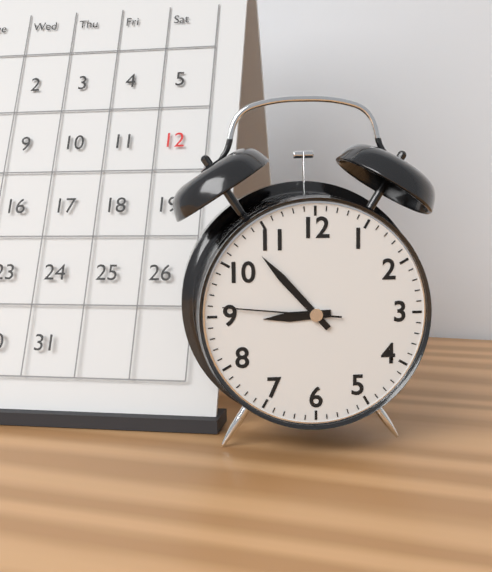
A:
8,53,46
